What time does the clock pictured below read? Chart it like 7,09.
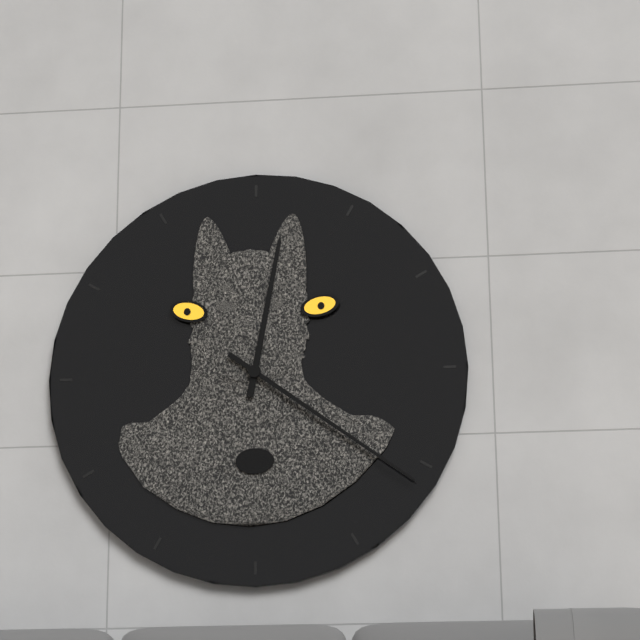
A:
12,21
